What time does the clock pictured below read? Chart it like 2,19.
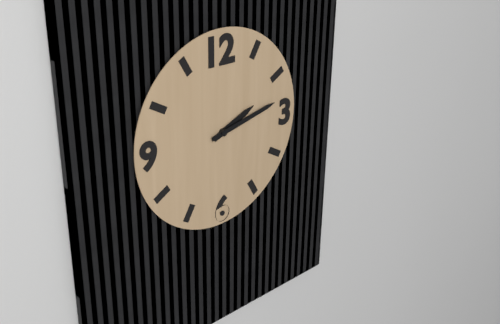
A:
2,13
